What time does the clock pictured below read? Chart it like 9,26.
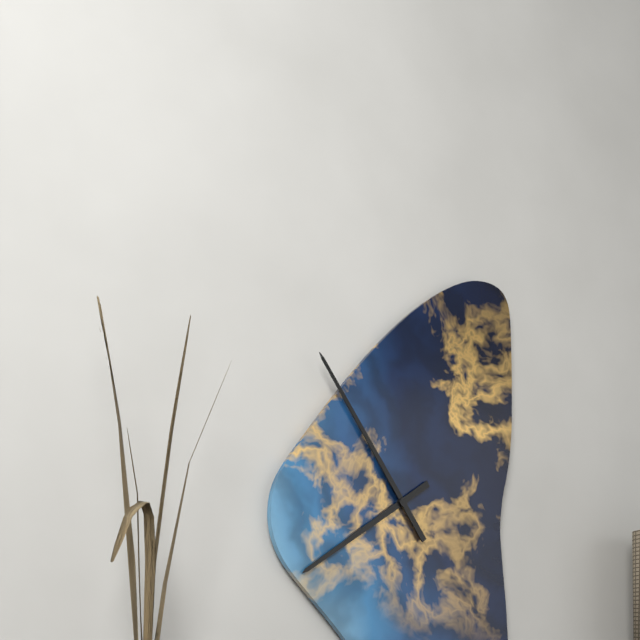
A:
7,54
